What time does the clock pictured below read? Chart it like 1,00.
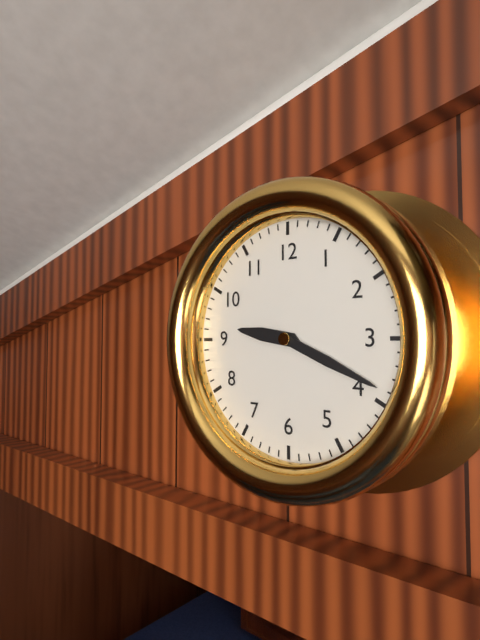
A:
9,19
